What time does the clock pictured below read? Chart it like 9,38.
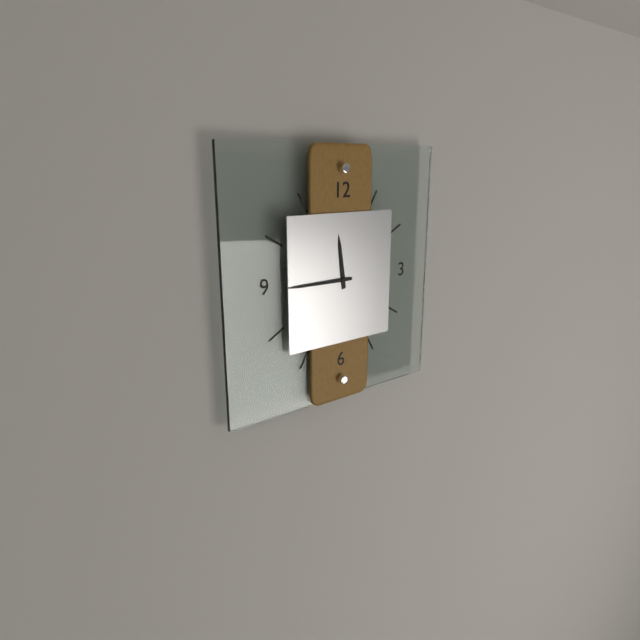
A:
11,45
